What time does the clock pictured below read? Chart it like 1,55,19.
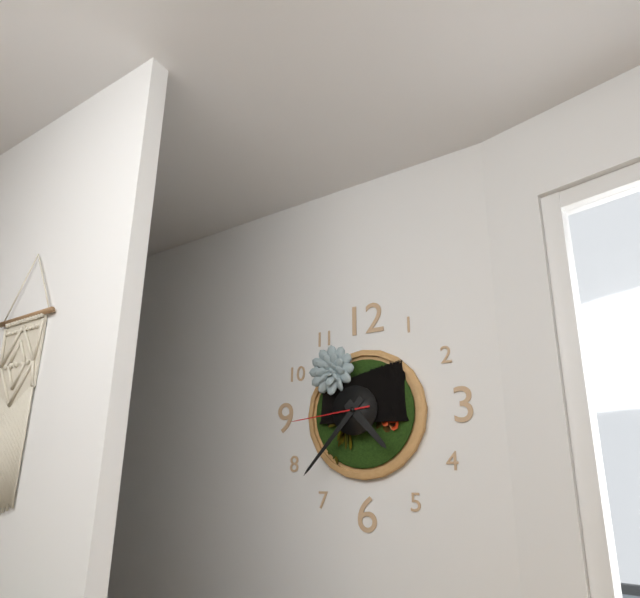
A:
4,37,44
